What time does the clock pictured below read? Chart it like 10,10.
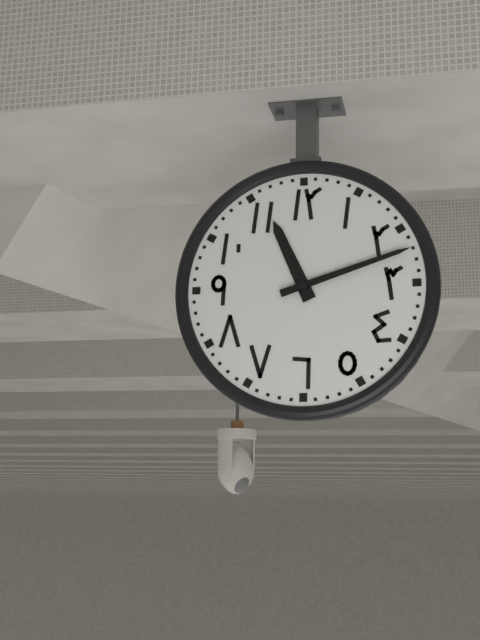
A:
11,12
